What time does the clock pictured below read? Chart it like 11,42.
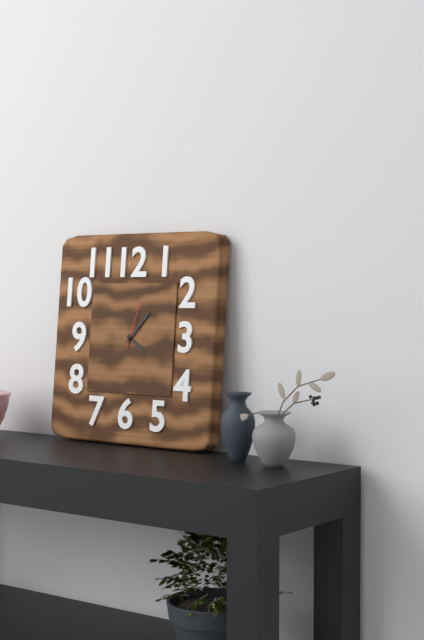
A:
4,07
